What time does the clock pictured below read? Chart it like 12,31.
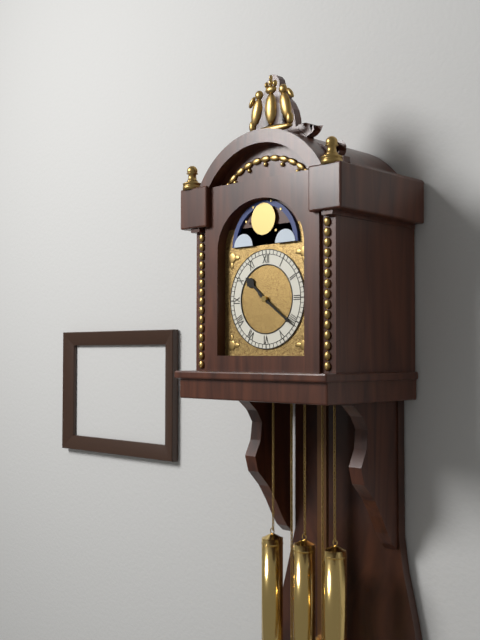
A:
10,21
